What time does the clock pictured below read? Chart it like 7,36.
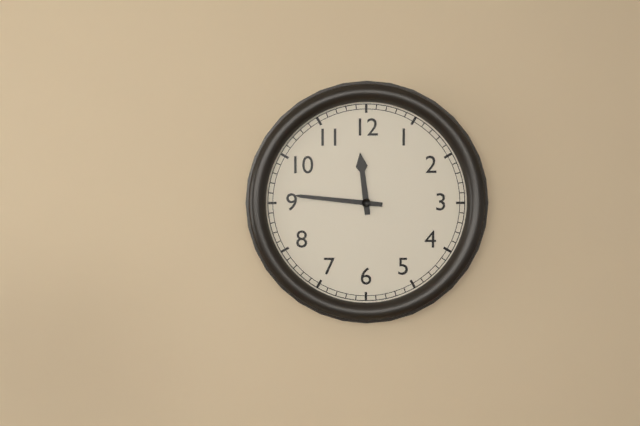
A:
11,46
